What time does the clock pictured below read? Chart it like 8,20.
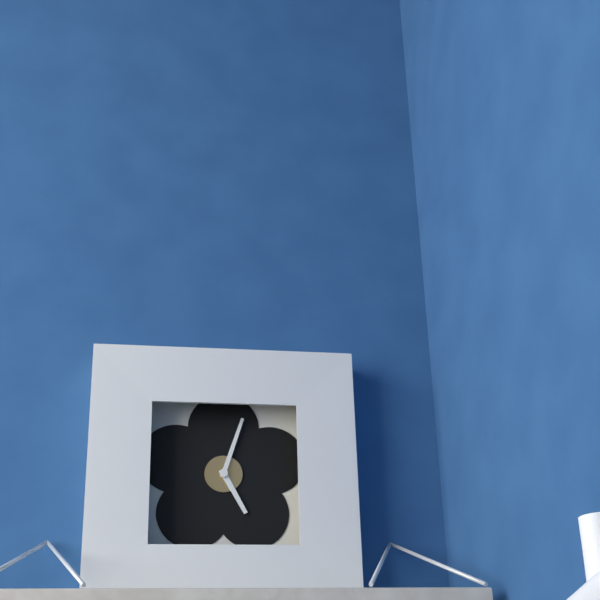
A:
5,03
